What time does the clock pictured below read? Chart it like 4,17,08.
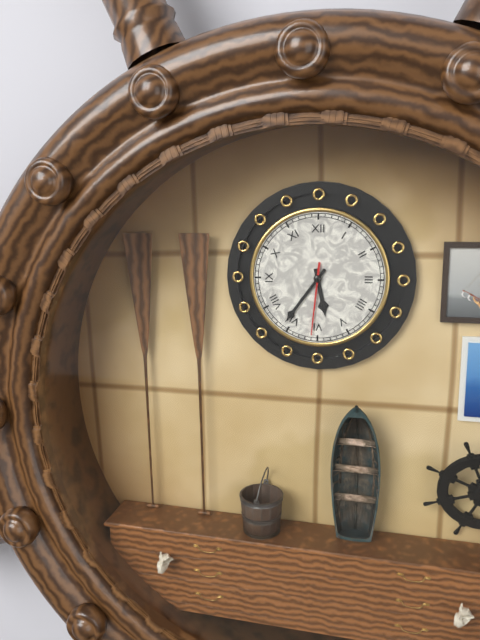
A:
5,36,31
